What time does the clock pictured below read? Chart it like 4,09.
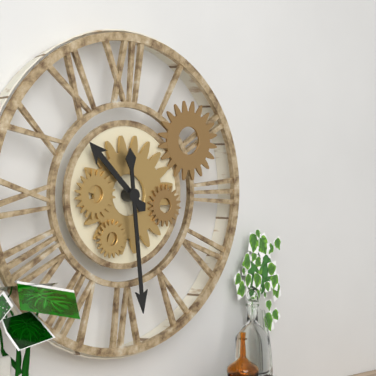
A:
10,29
